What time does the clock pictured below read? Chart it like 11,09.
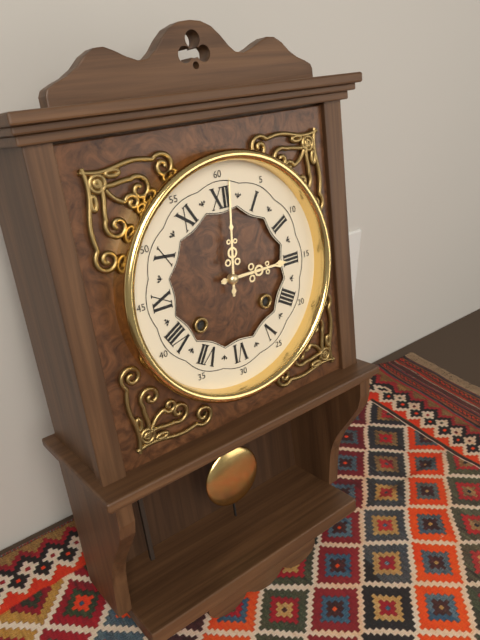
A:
3,01
